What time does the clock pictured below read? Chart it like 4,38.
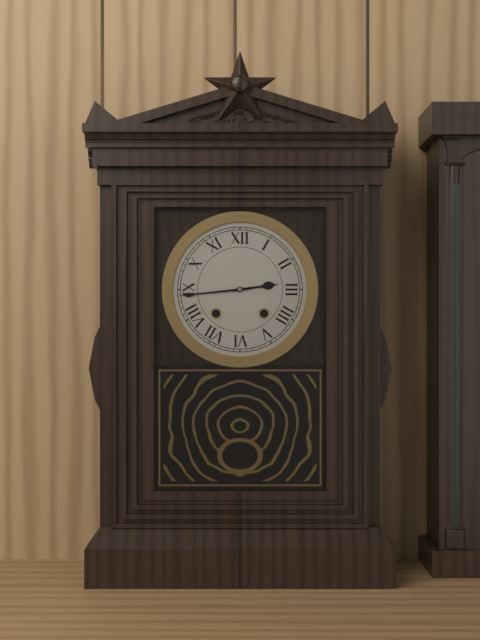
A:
2,44
